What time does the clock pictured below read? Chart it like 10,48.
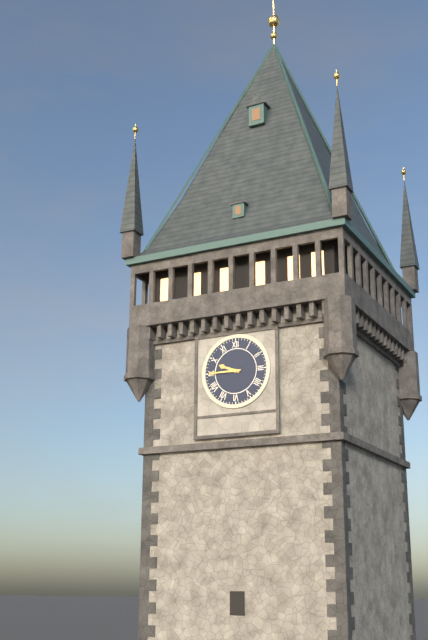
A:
9,45
